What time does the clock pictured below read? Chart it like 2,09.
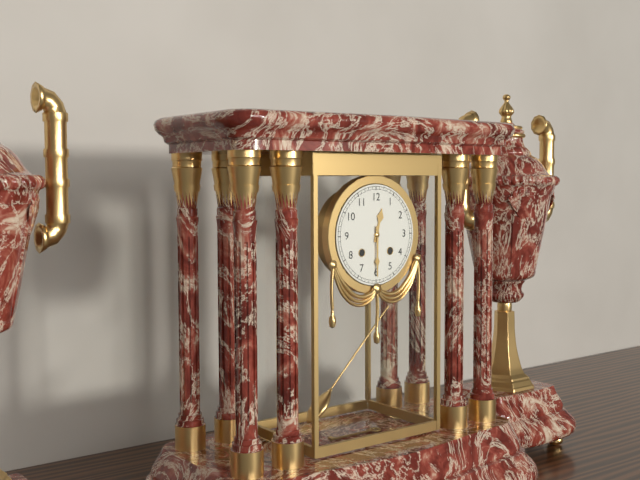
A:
12,30
